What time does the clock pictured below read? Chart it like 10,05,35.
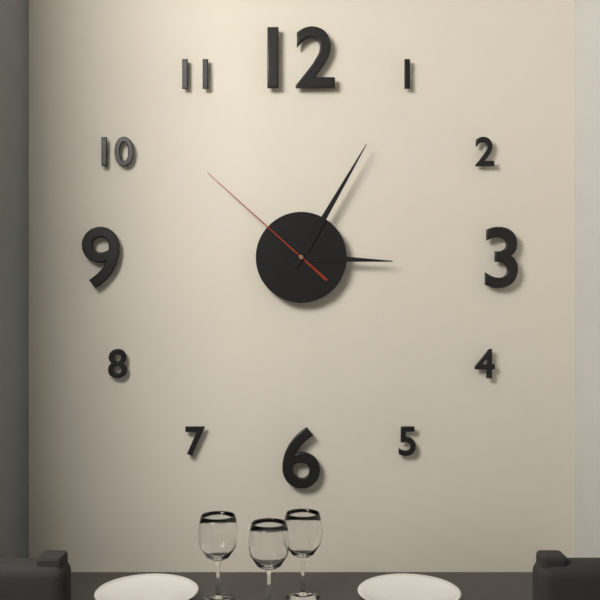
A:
3,05,52
